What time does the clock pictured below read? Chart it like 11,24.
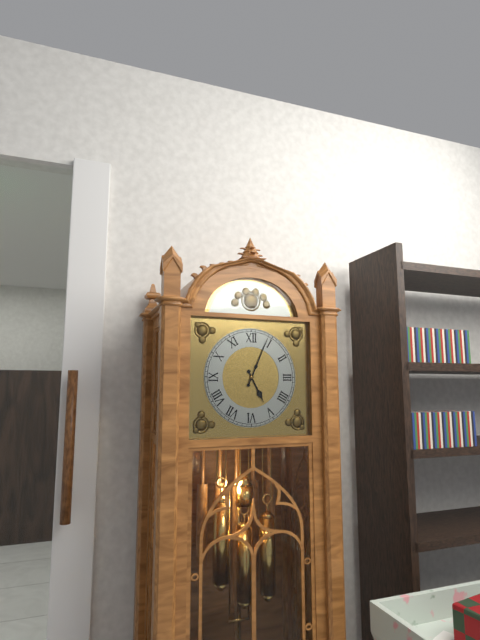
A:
5,04
